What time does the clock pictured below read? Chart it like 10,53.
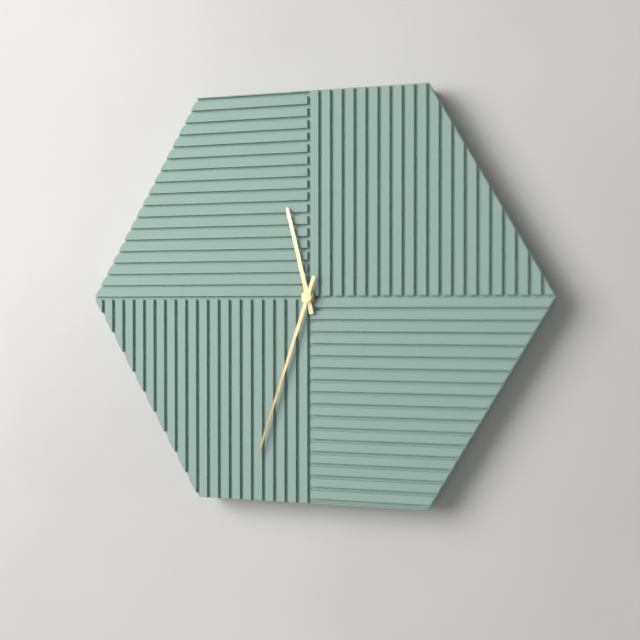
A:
11,33
